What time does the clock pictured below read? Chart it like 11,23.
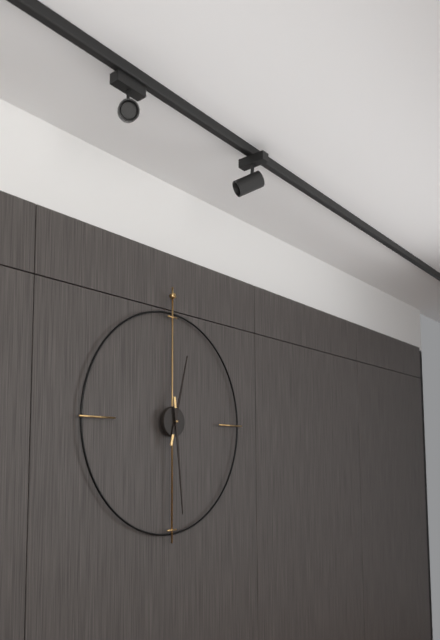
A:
12,29
